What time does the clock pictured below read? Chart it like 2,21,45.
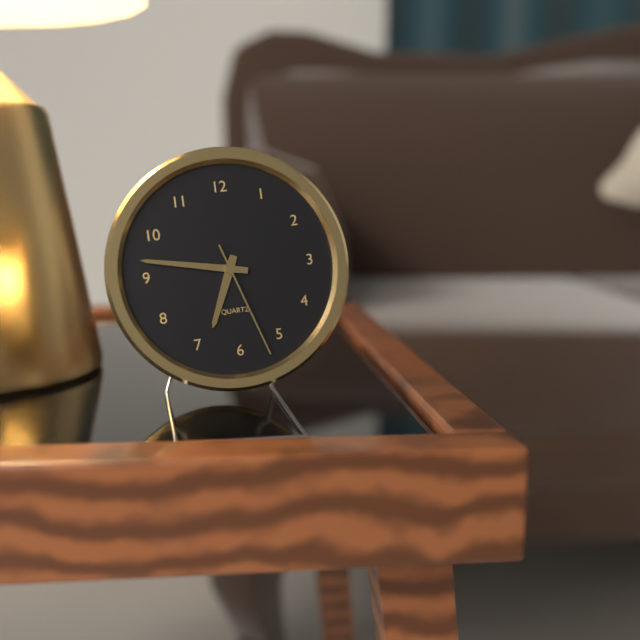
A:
6,47,27
